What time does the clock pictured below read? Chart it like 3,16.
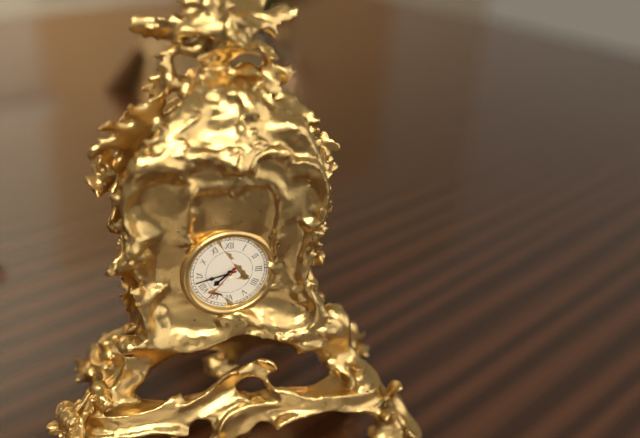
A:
7,43
